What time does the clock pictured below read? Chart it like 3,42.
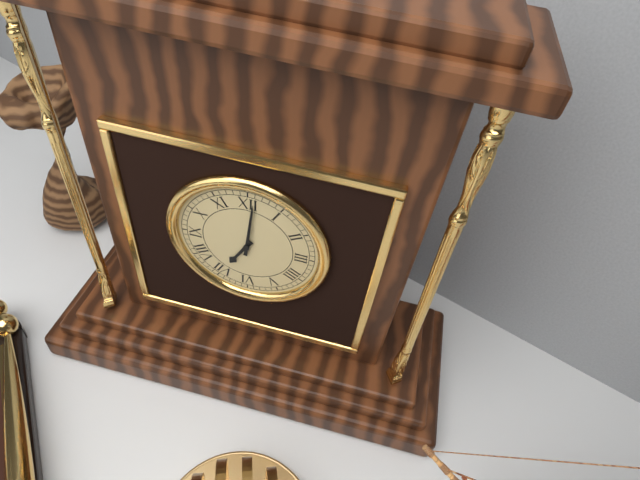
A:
7,01
